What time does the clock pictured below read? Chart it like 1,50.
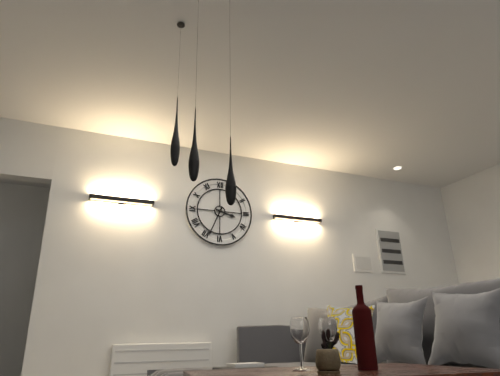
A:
3,34
